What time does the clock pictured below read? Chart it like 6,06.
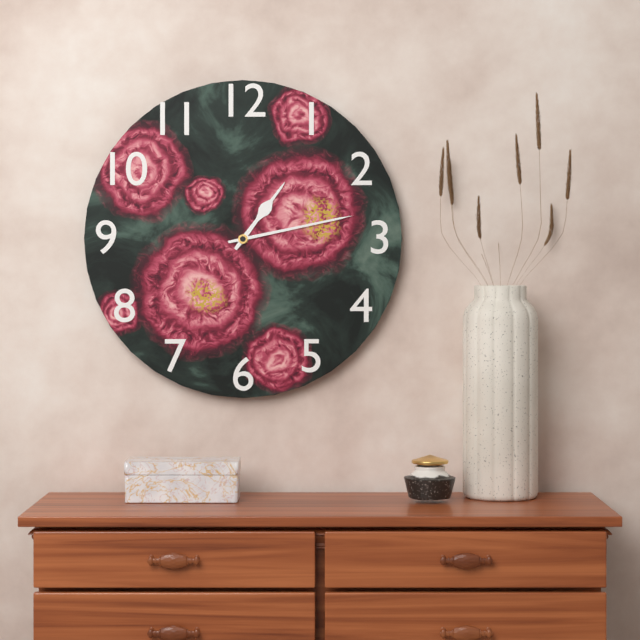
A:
1,13
